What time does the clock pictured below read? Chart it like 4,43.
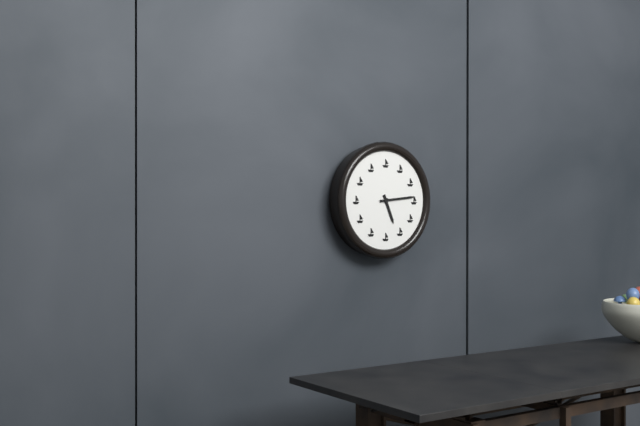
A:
5,14
